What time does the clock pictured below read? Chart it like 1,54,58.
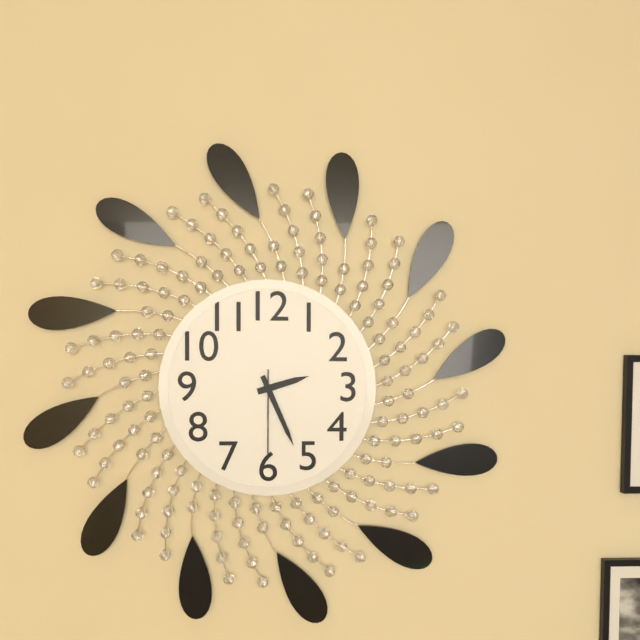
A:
2,26,30
